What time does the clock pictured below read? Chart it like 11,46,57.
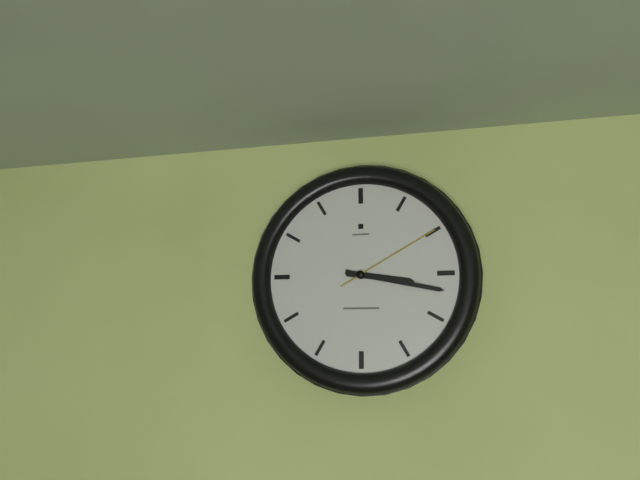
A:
3,17,10
